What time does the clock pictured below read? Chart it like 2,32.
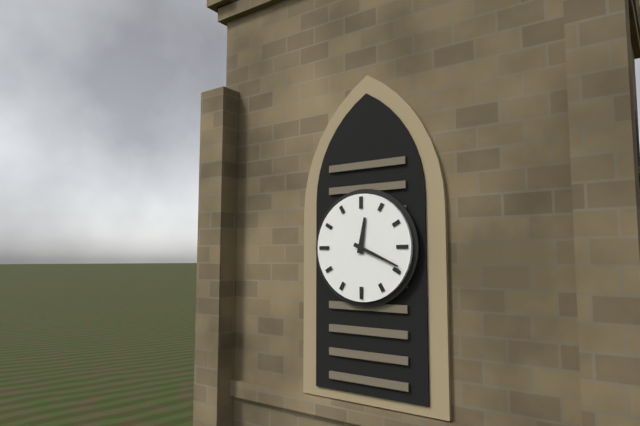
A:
12,19
